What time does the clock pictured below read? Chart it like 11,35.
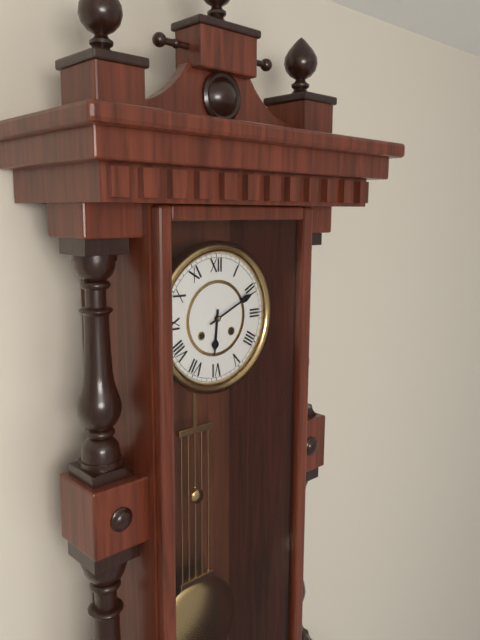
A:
6,11
